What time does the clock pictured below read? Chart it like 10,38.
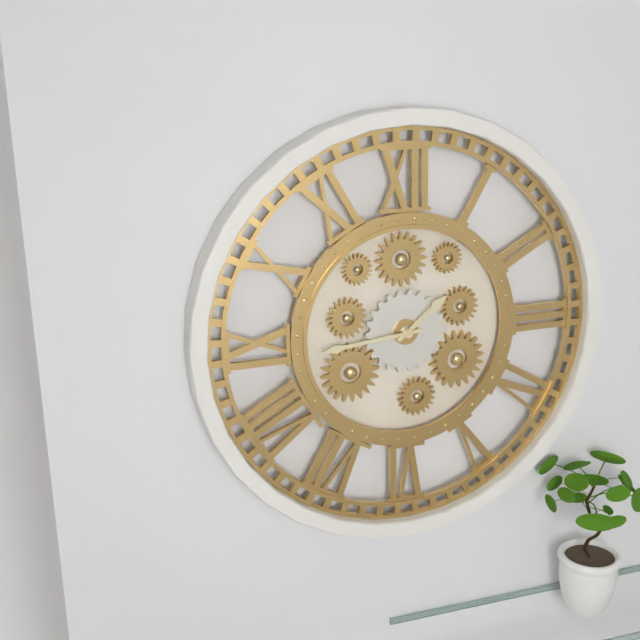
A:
1,44
